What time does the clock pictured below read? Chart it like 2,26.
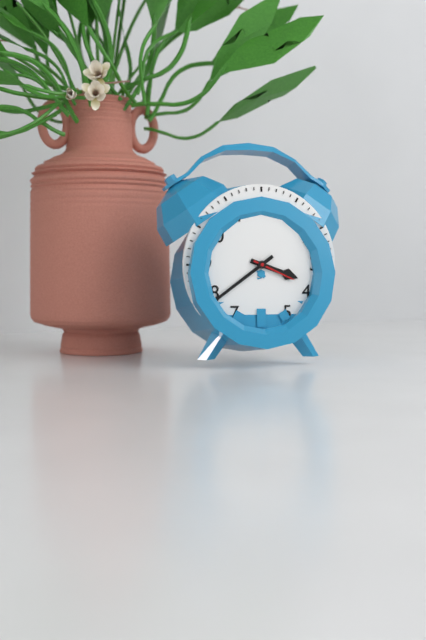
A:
3,39
